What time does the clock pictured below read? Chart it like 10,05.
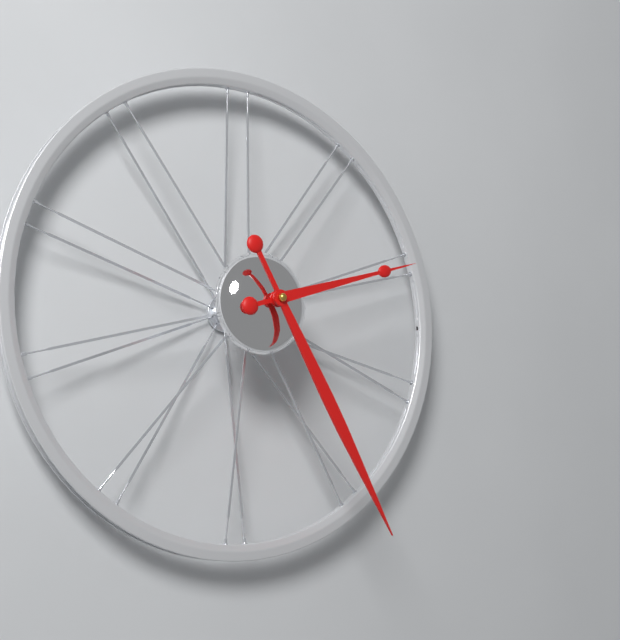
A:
2,25
